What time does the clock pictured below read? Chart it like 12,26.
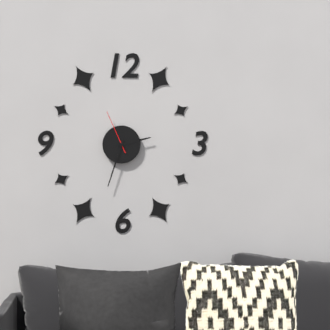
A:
2,33
